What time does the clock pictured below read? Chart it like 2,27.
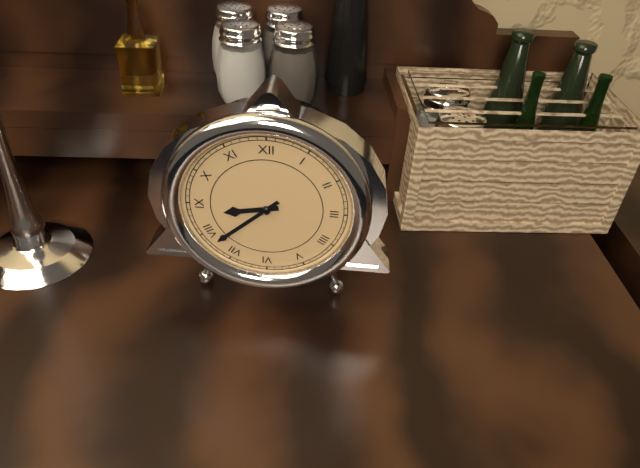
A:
8,38
